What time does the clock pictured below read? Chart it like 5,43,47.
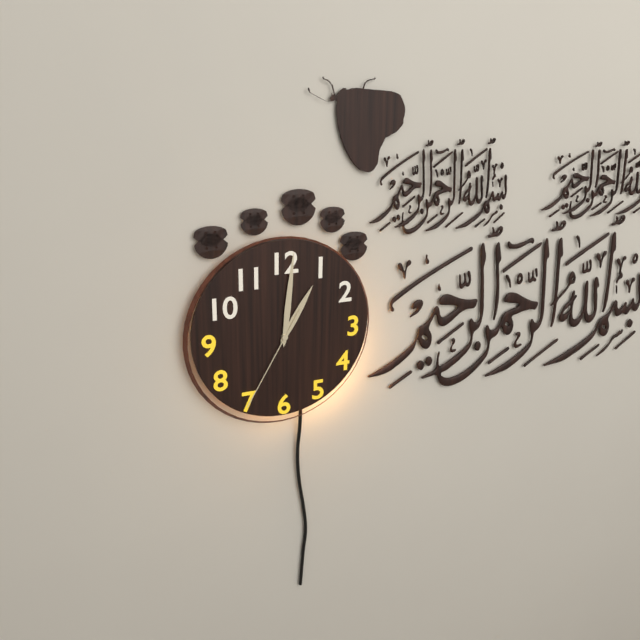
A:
1,01,35
